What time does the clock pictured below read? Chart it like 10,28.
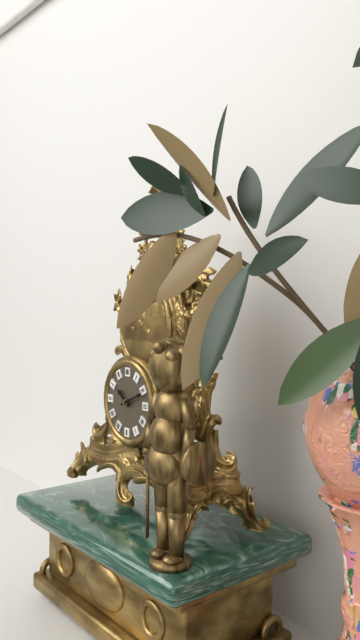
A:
10,11
